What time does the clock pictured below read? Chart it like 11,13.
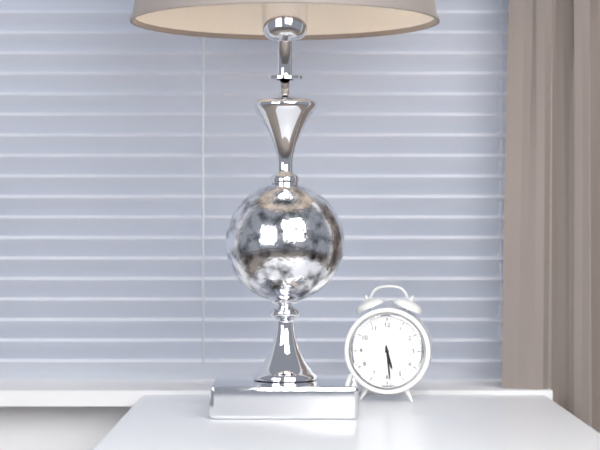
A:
5,29
